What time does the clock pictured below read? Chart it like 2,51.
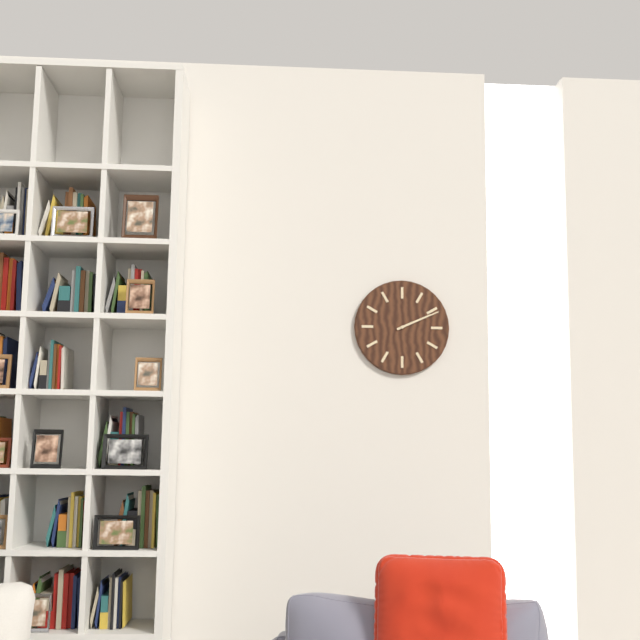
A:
2,11
